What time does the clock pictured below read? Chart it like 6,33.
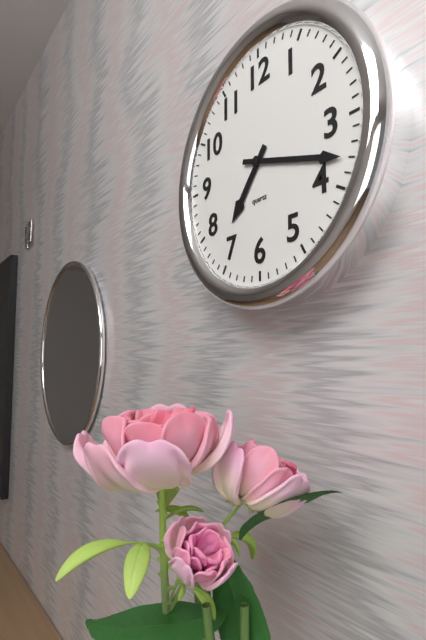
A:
7,18
